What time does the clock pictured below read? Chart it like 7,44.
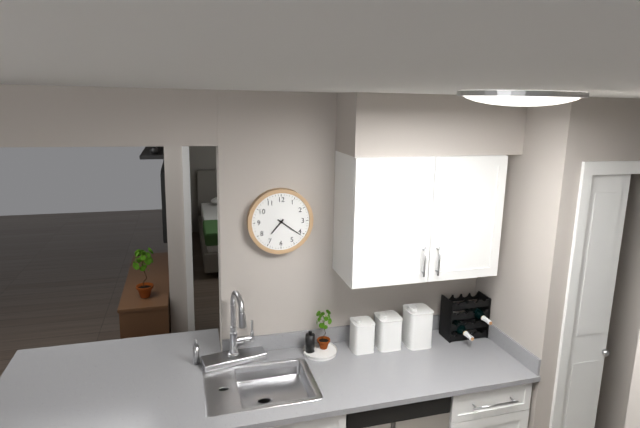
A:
7,21
